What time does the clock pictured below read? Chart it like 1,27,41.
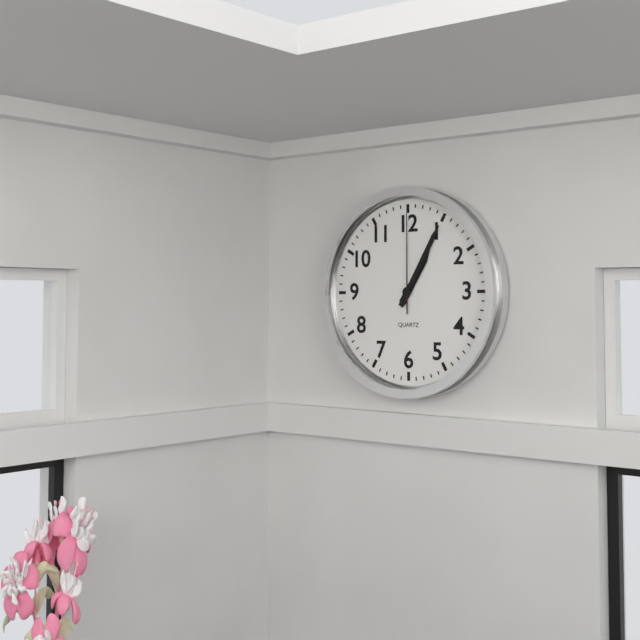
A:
1,05,00
